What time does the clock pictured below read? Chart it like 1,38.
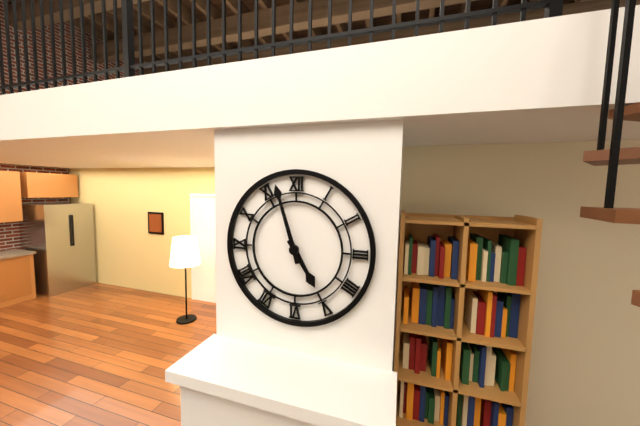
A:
4,57
